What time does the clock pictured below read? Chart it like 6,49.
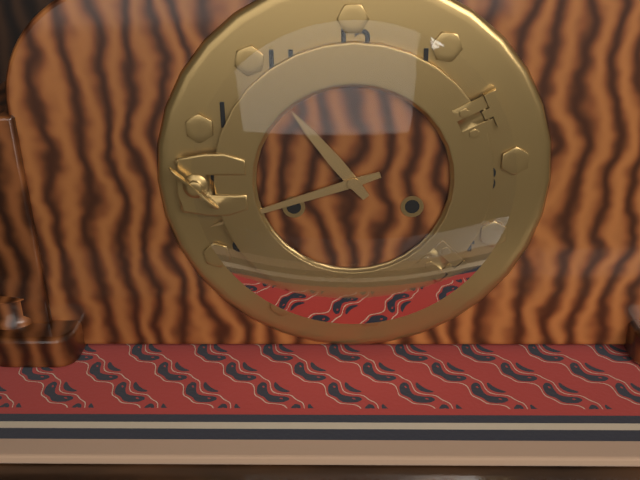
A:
10,42
